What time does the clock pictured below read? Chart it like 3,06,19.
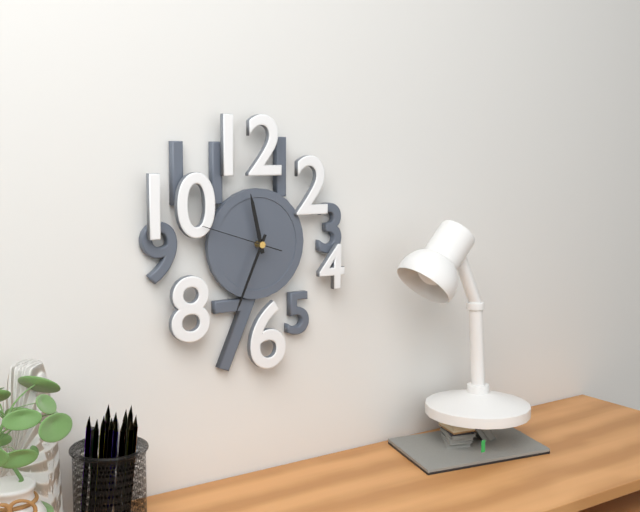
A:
11,34,48
